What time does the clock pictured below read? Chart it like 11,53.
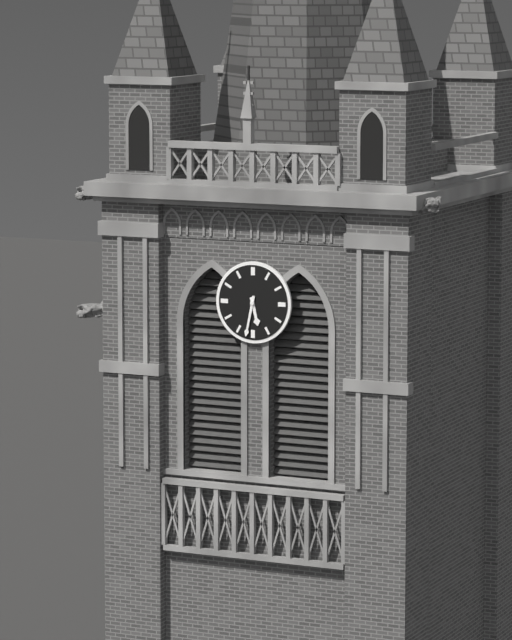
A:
5,32
